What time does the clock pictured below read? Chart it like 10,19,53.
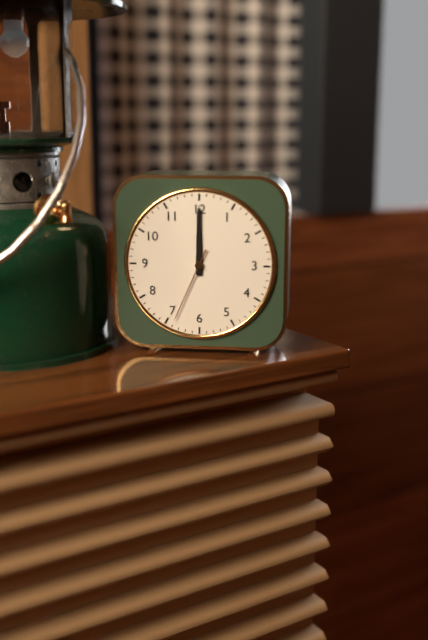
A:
12,00,34
